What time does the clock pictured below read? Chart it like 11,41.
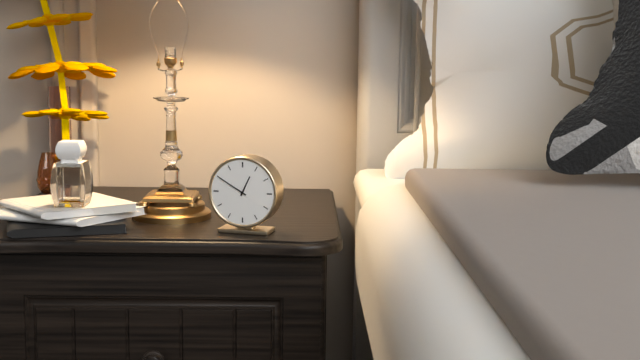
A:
12,50
